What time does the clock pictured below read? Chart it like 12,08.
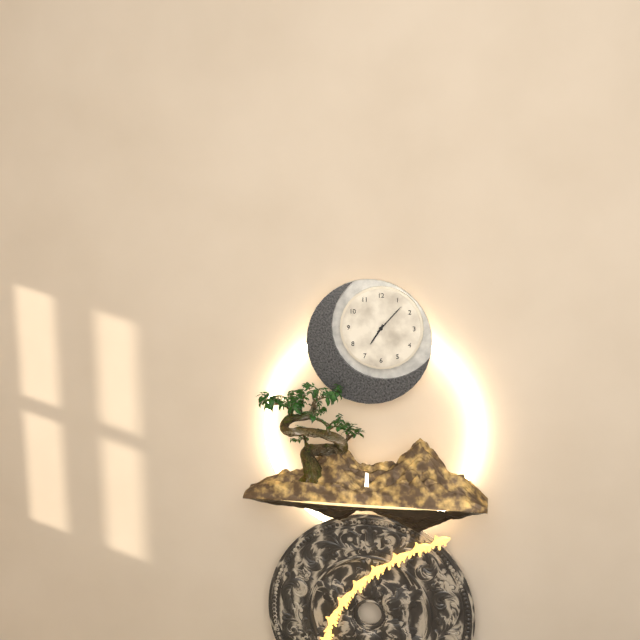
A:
7,07
